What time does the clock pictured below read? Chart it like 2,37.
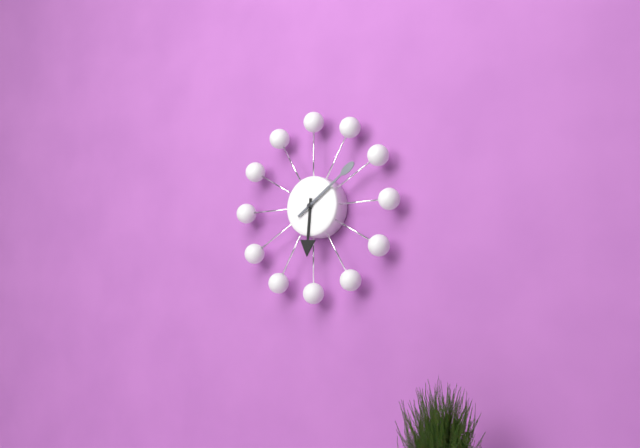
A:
6,09
